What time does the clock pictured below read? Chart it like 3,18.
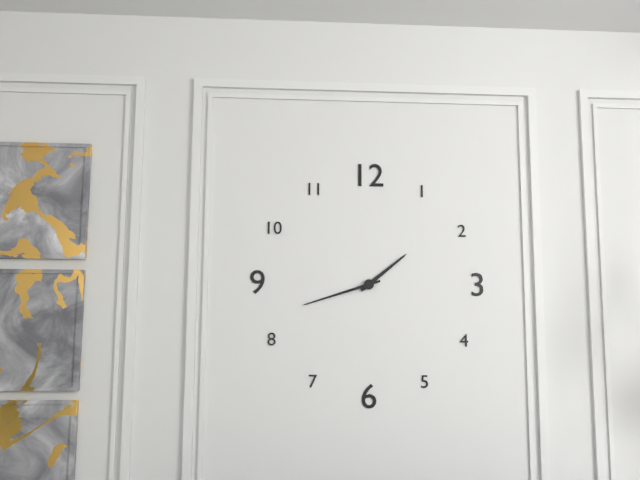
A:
1,42
